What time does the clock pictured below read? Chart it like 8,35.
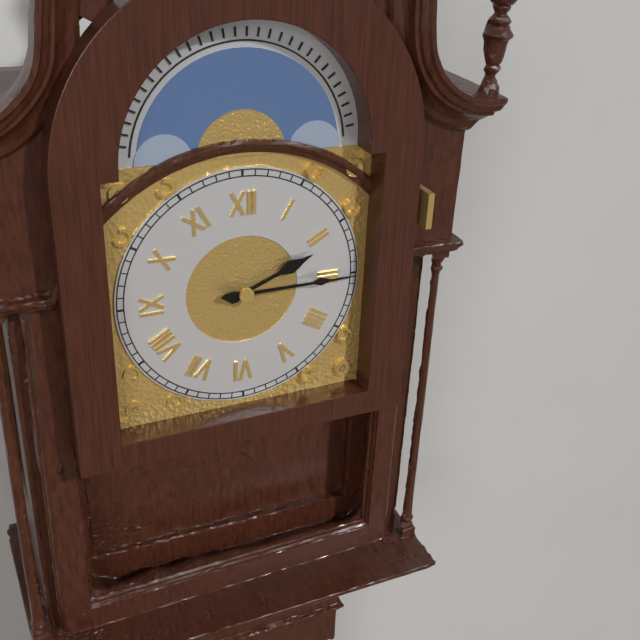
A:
2,15
